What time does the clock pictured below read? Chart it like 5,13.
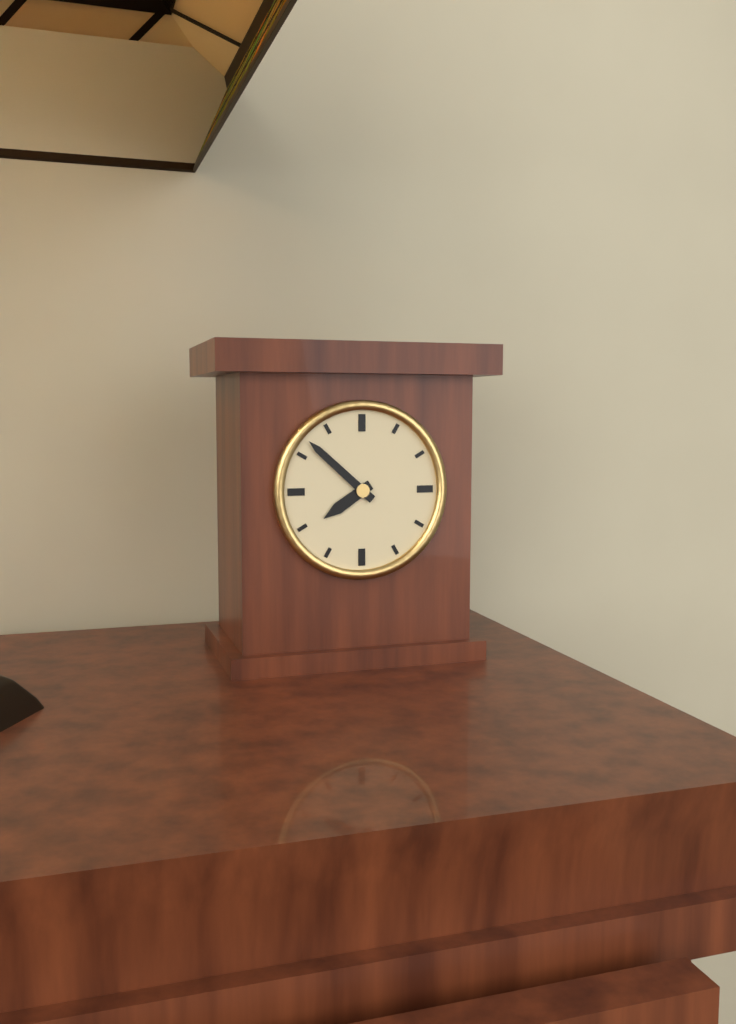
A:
7,52
